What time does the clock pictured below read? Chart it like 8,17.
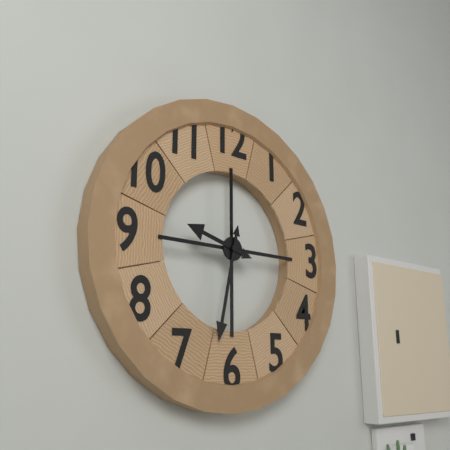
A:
9,32
